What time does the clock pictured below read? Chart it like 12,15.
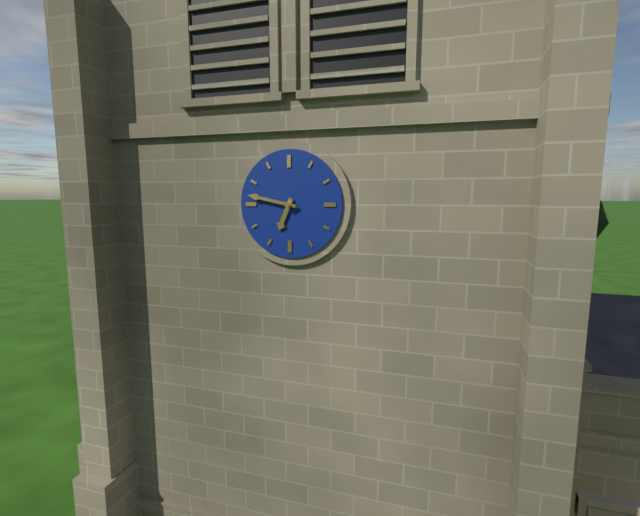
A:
6,47
